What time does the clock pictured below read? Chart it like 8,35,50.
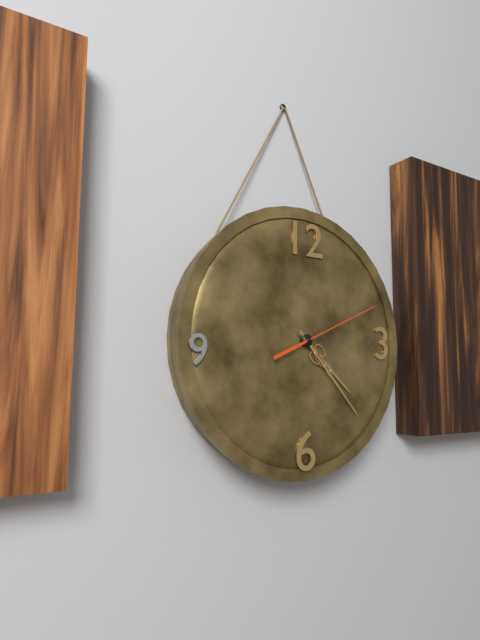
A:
4,23,11
